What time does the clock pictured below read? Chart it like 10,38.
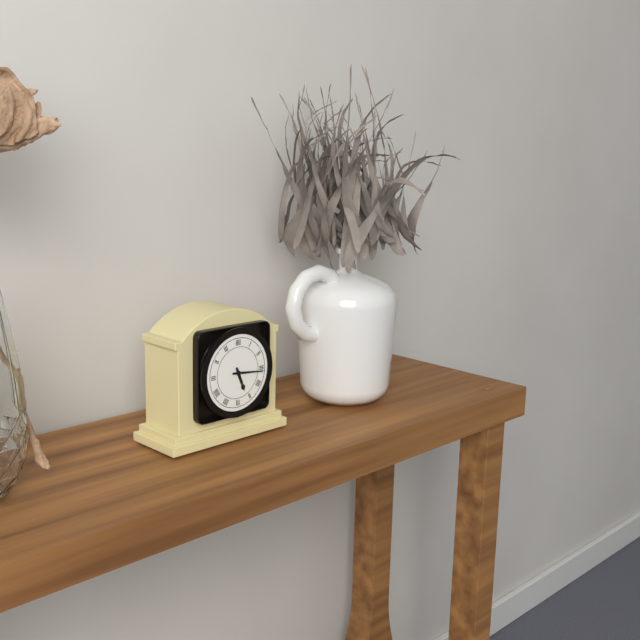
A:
5,16
